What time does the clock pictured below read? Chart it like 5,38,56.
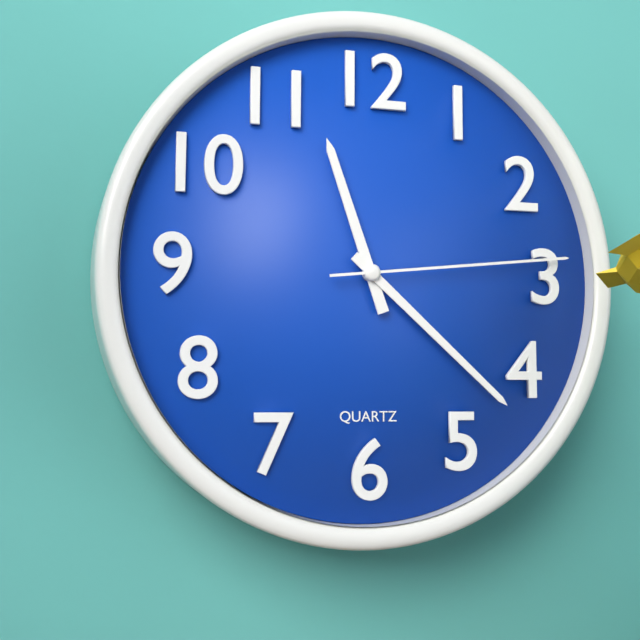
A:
11,22,14
